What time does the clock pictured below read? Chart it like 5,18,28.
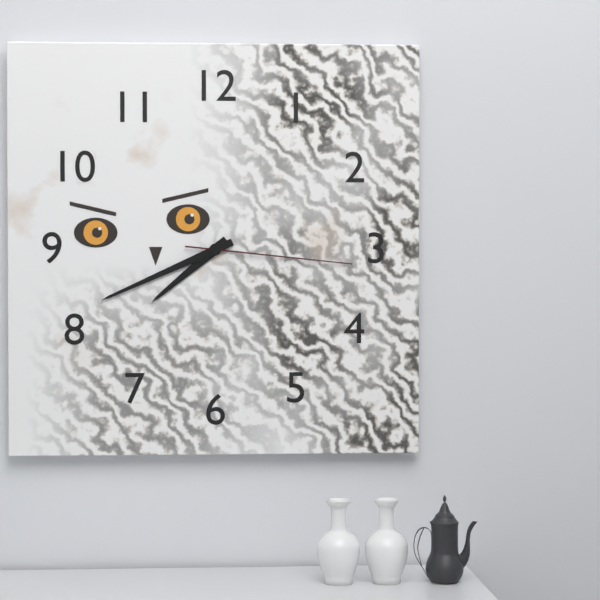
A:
7,41,16
